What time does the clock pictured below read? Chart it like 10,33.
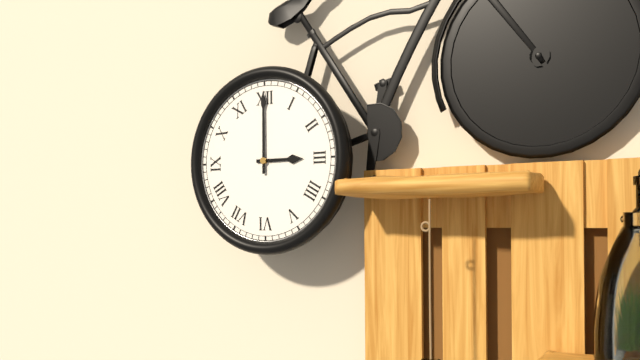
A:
3,00
